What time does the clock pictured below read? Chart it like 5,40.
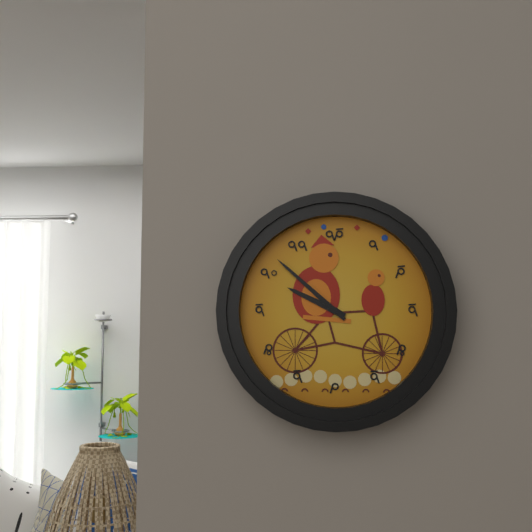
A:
9,52
